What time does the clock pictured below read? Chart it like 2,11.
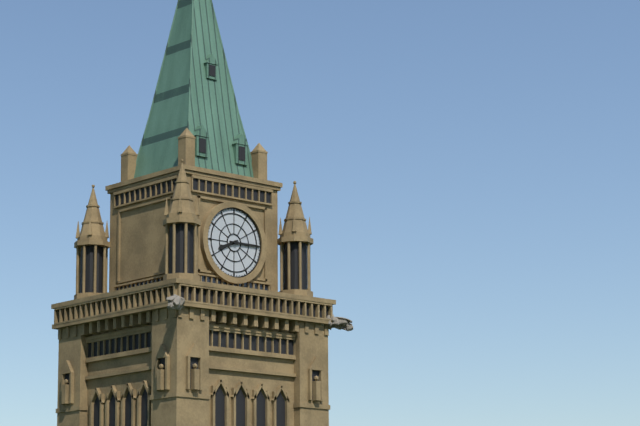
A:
8,15
